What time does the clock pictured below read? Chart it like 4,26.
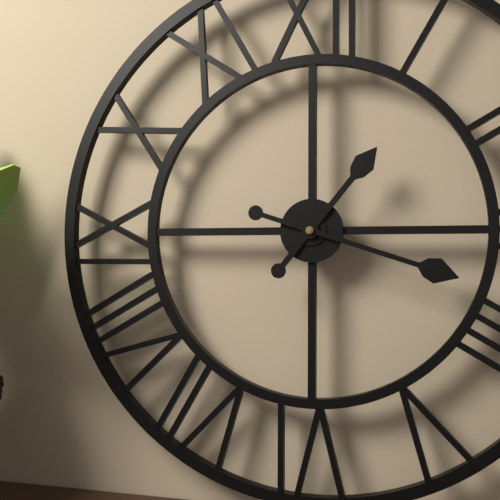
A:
1,18
